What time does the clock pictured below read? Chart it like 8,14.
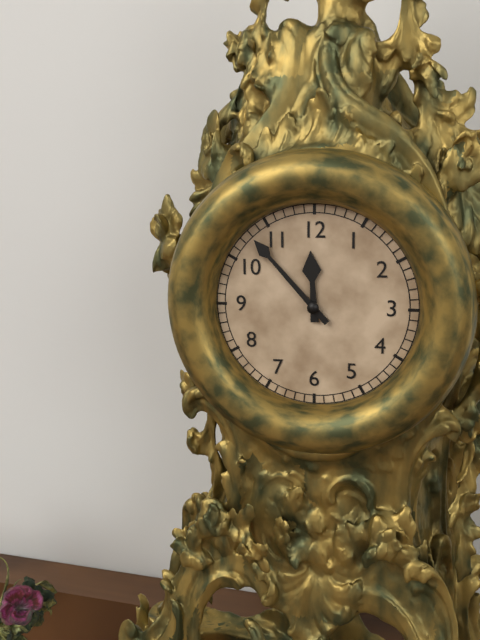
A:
11,53
